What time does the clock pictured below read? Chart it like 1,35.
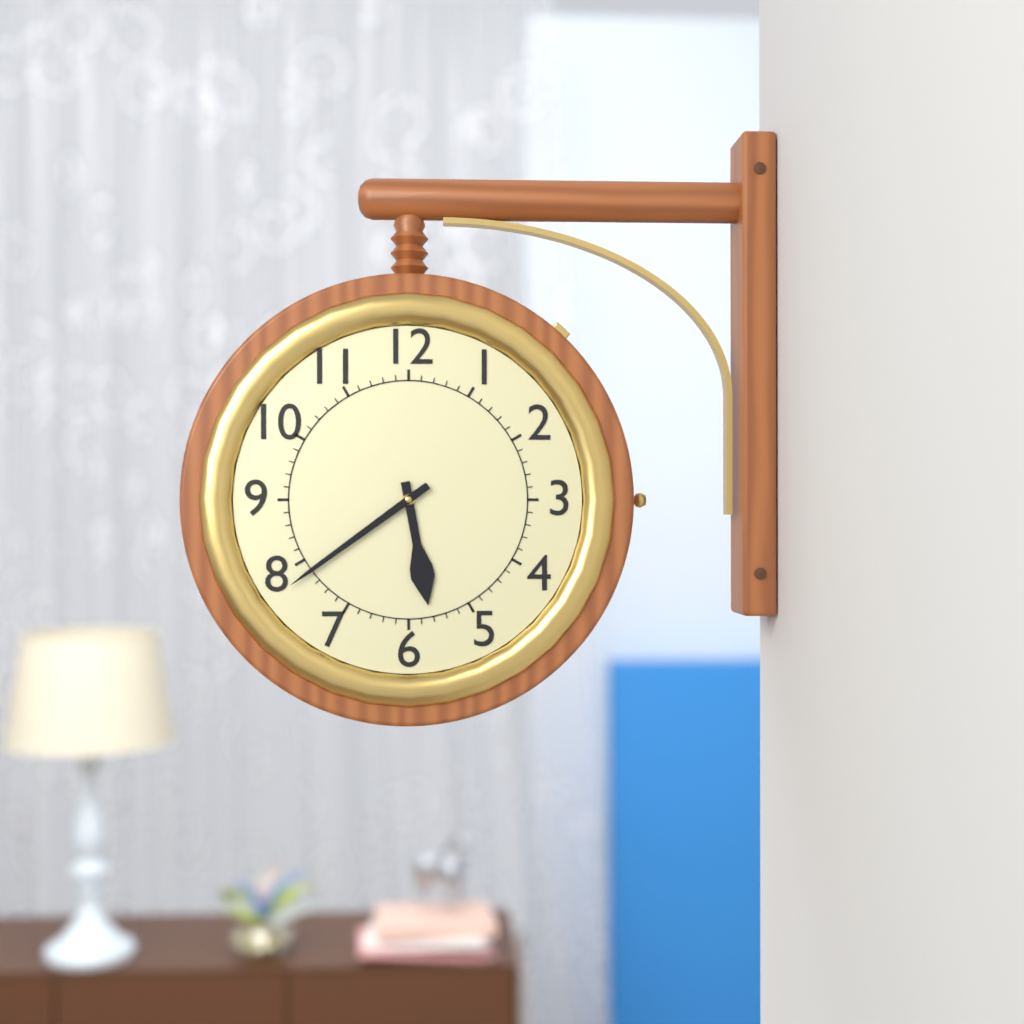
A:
5,39
